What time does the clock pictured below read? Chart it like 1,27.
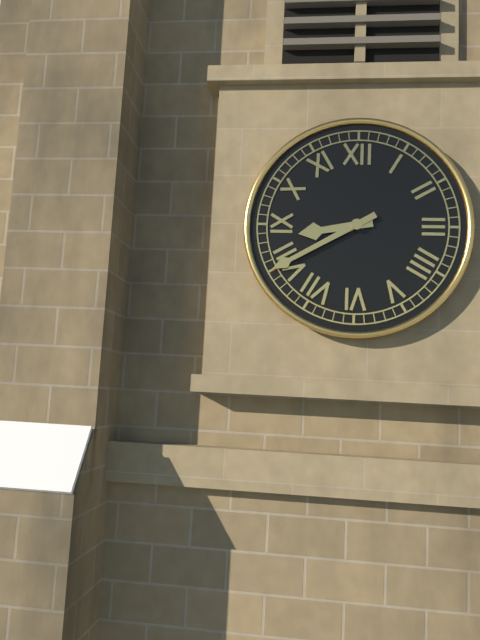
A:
8,40
